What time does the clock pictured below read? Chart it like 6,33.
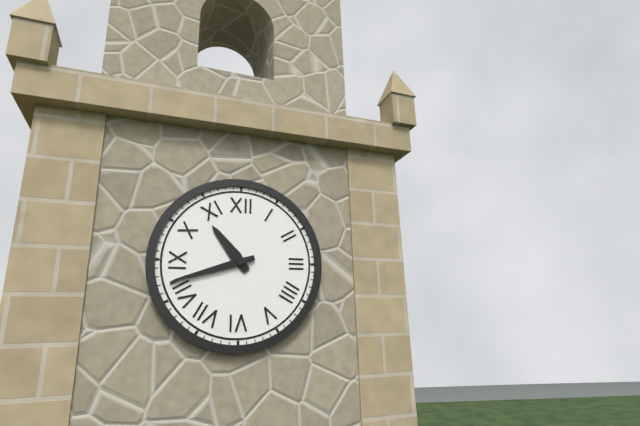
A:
10,42
